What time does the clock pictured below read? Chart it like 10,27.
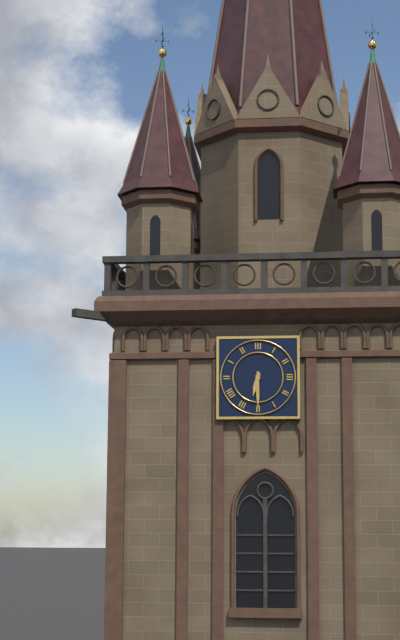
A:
6,30
